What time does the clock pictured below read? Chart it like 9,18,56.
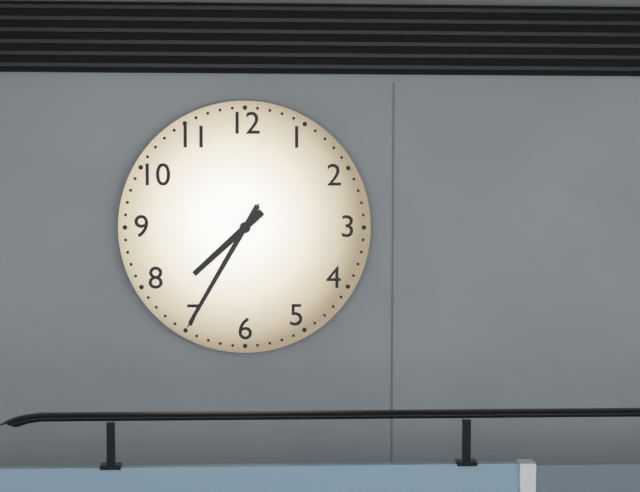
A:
7,35,35
